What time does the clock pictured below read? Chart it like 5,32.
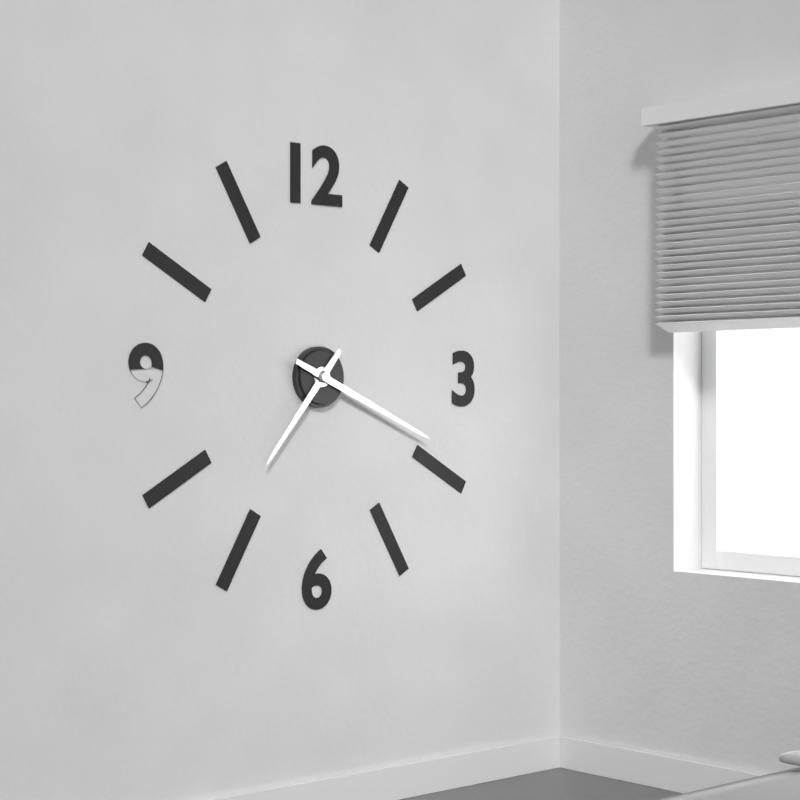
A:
7,19
